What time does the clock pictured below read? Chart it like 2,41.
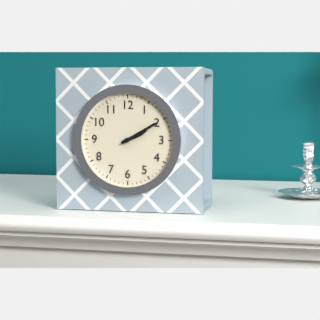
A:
2,10
